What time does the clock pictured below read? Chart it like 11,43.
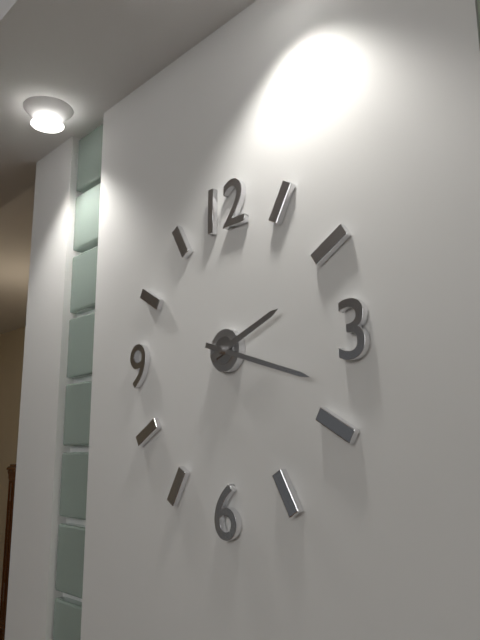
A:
2,18
